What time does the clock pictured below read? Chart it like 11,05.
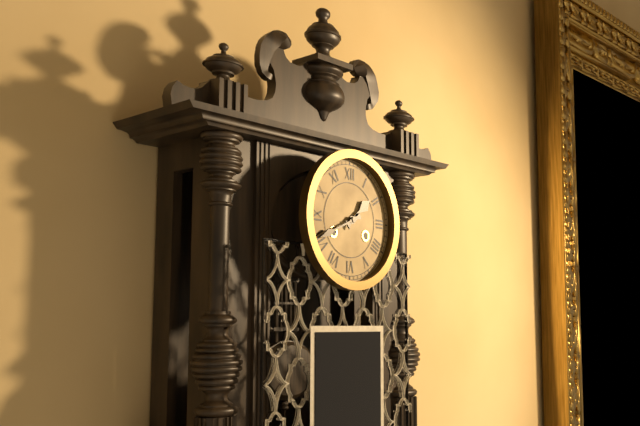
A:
1,41
